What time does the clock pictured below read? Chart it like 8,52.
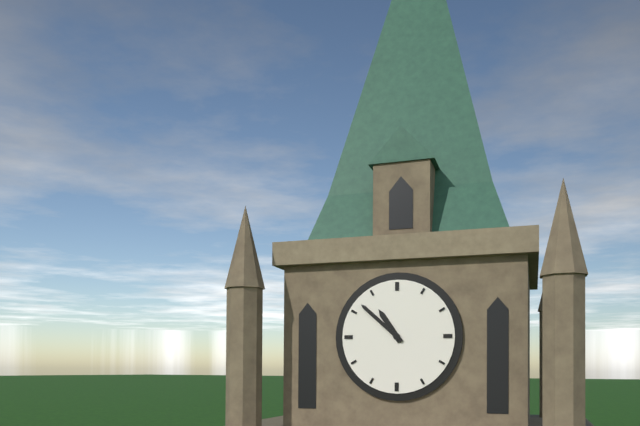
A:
10,52
